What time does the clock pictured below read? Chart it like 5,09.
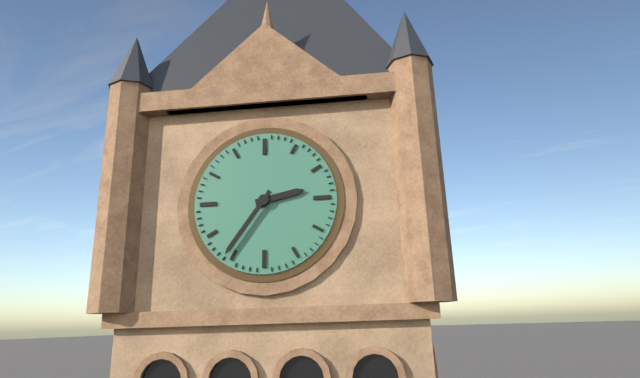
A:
2,36
